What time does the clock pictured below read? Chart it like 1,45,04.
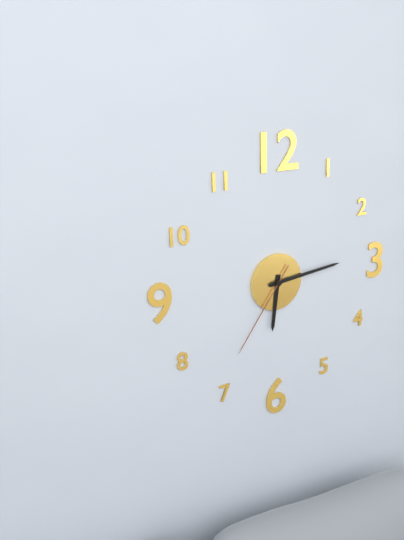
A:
6,14,36
